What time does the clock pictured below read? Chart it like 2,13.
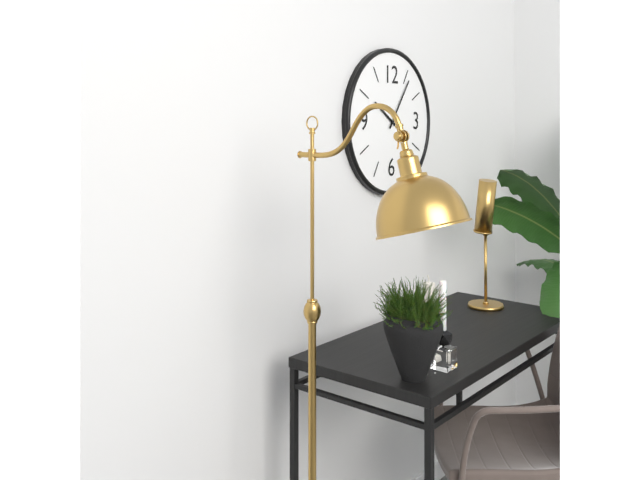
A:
10,06
